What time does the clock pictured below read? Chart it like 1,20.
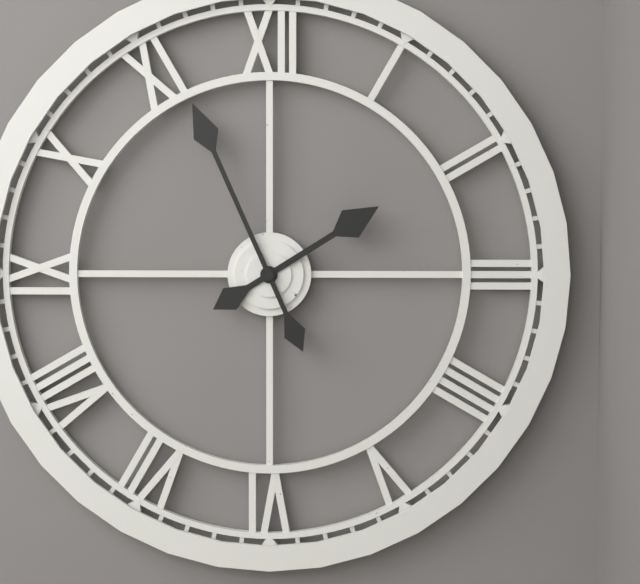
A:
1,56
